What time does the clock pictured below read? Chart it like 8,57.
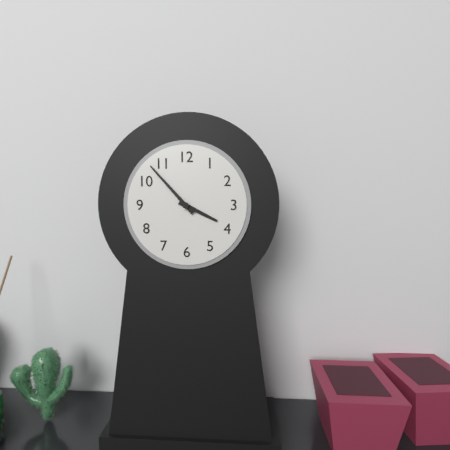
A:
3,53
